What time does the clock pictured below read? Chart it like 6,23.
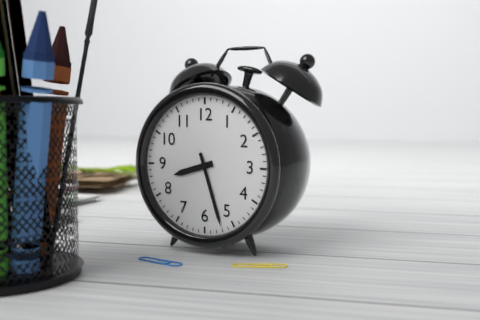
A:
8,27
